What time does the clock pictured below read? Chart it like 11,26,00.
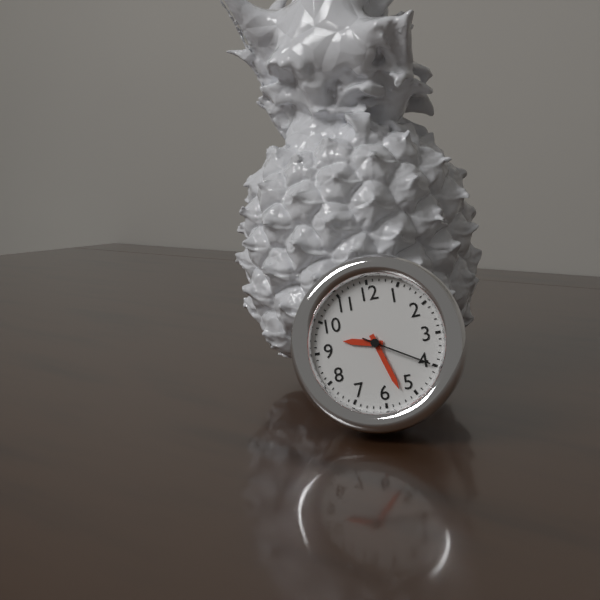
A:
9,27,20
